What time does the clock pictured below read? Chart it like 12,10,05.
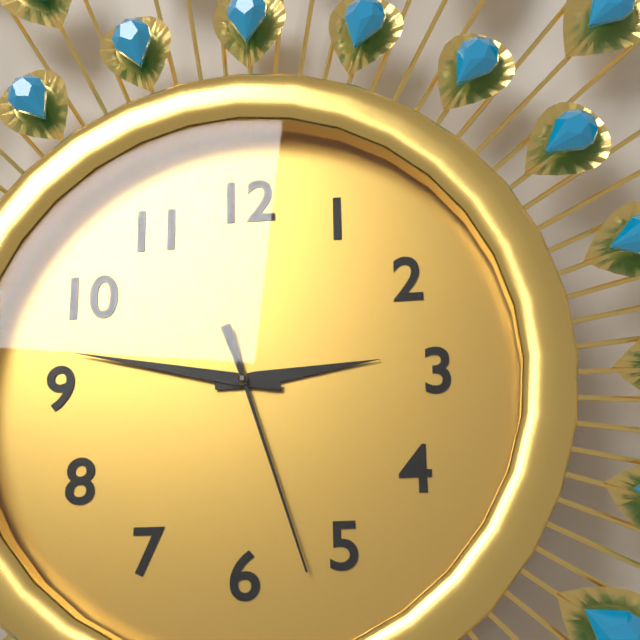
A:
2,47,27
